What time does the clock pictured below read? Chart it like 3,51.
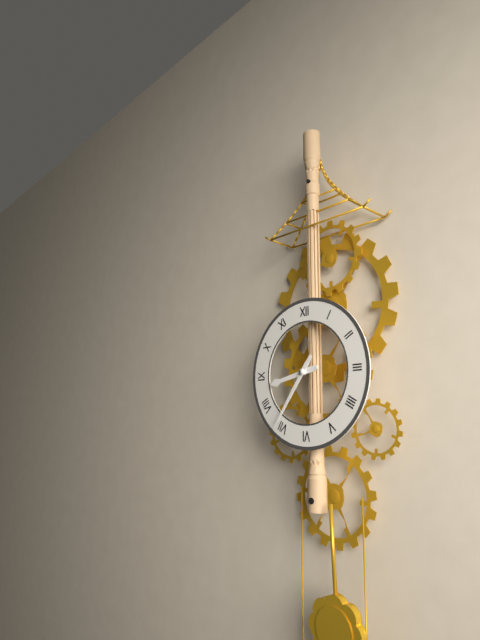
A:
8,36
